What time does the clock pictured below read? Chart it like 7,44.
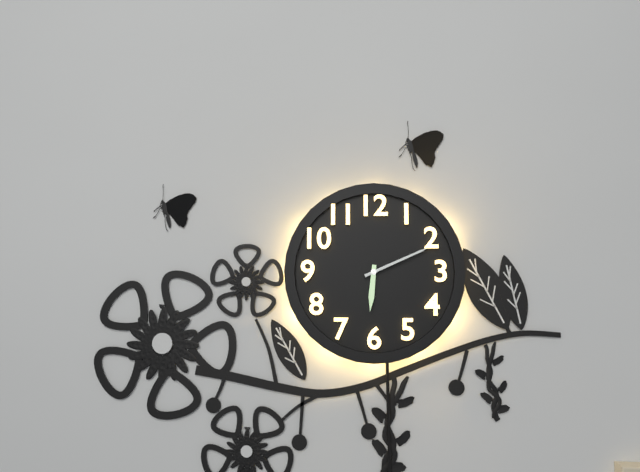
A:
6,11
